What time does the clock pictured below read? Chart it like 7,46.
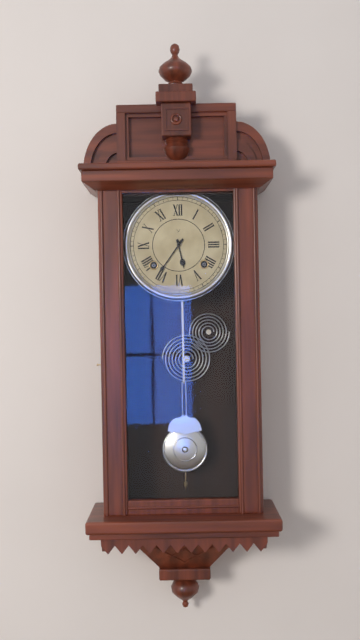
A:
5,36
